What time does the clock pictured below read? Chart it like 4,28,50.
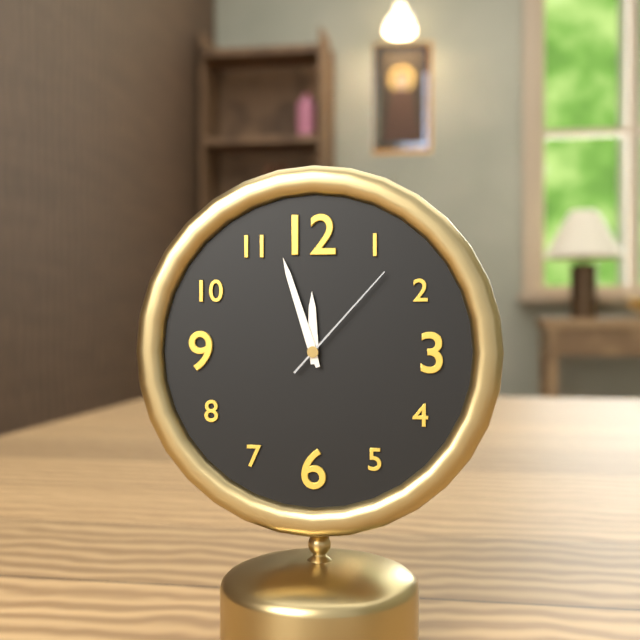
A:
11,57,07
